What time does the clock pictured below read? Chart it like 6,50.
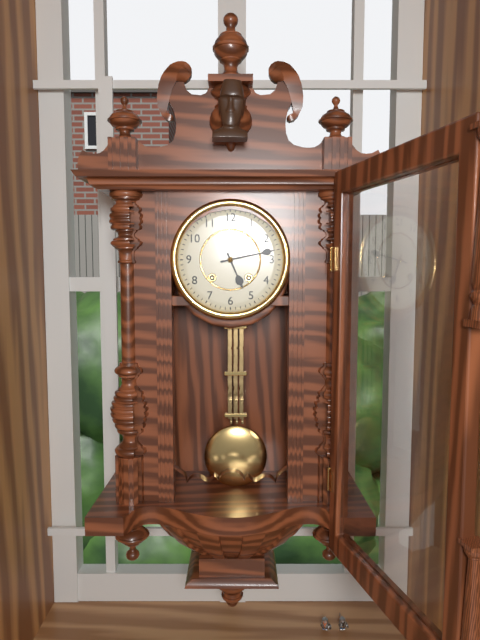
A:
5,13
